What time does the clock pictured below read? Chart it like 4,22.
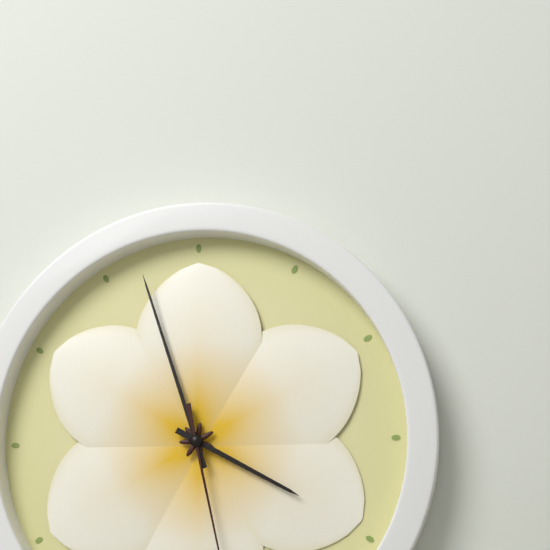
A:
3,57
